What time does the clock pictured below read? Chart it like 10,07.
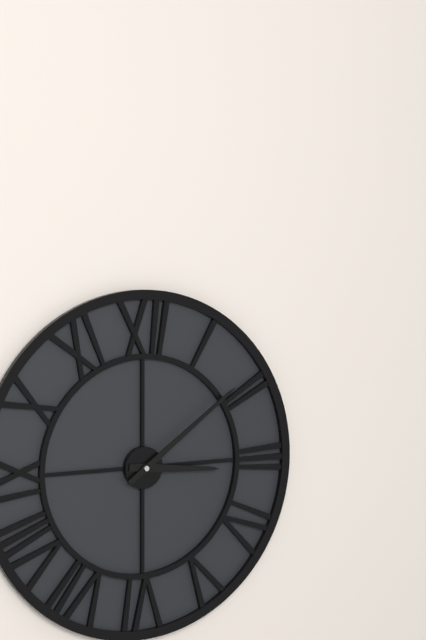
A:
3,09
